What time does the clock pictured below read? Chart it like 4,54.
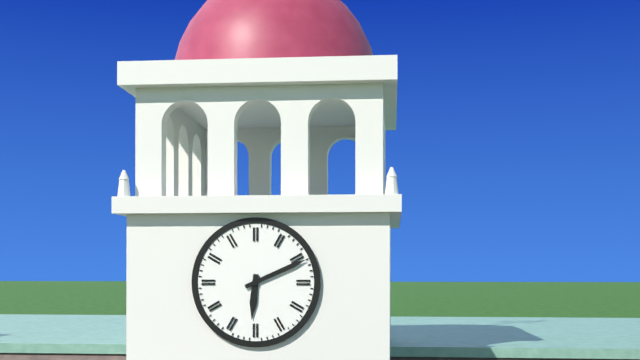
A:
6,11
